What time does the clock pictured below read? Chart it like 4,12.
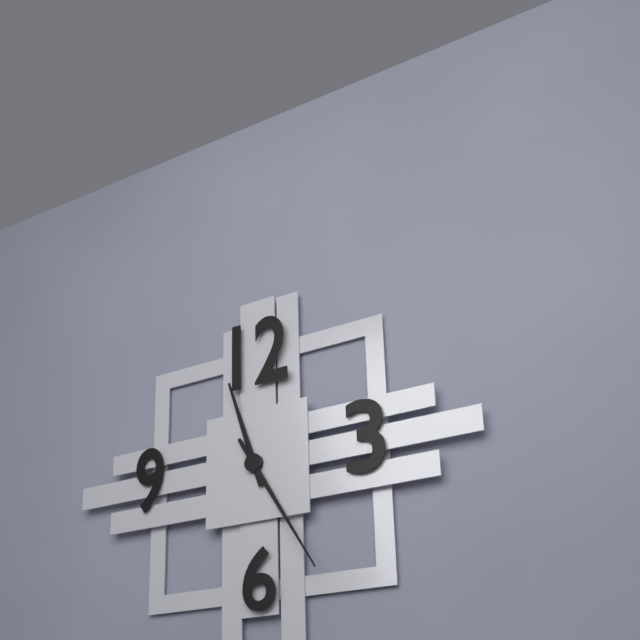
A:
11,25
